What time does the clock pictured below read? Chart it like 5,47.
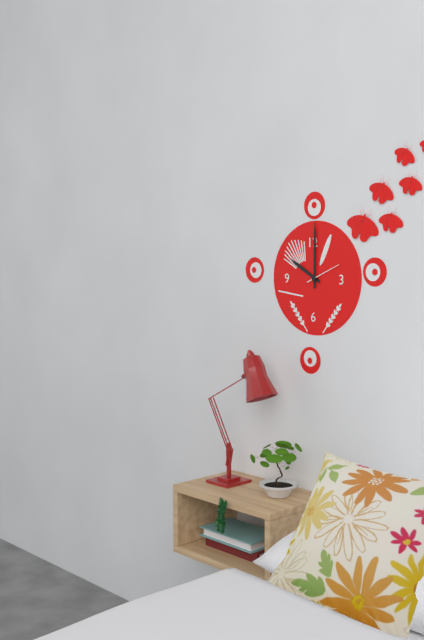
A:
10,00
